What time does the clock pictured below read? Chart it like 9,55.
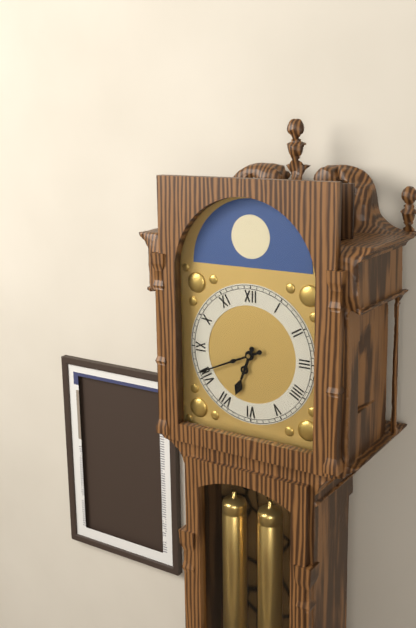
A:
6,41
